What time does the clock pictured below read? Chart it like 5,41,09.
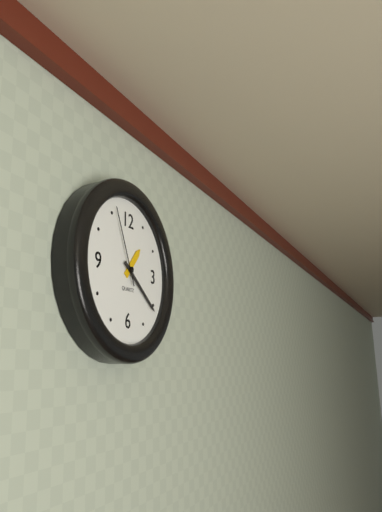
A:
1,21,56
